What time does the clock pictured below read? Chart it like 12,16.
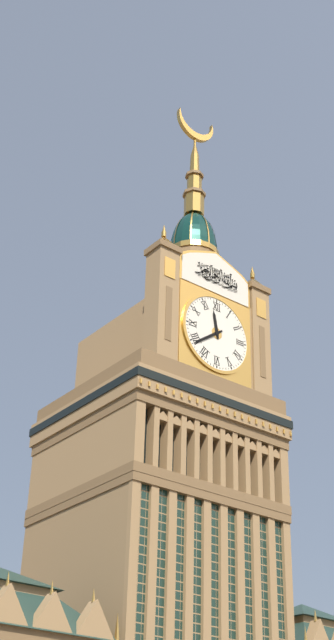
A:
11,39
